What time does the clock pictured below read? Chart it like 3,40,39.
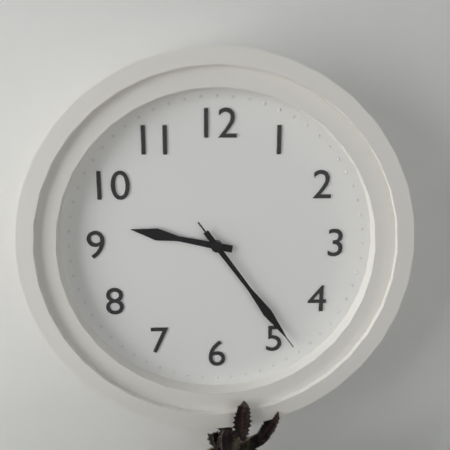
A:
9,24,24
